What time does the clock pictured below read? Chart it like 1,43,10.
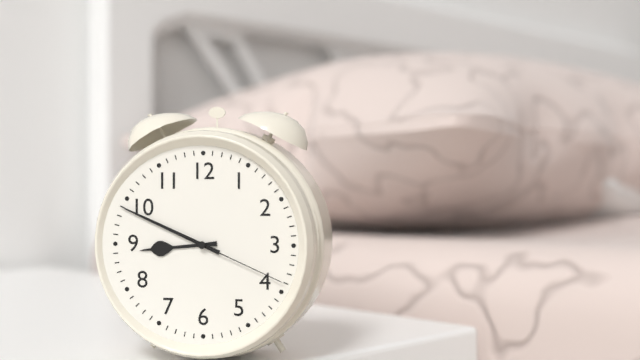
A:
8,49,19
